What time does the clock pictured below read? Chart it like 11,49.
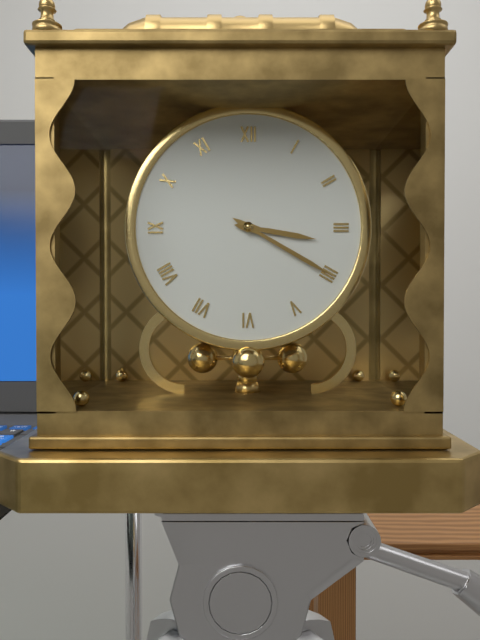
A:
3,20
